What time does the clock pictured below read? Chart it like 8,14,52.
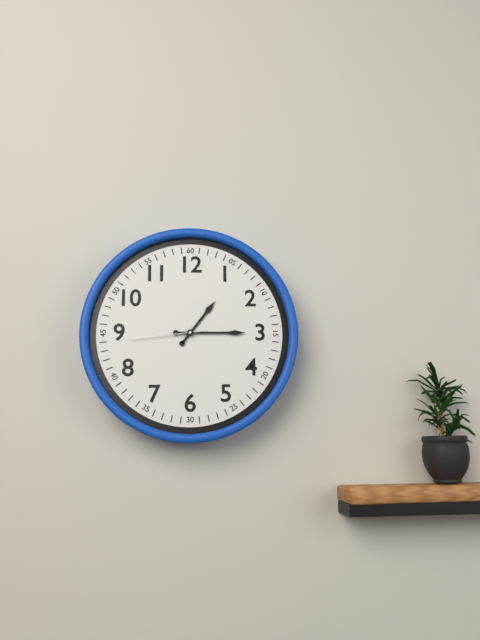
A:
1,15,44
